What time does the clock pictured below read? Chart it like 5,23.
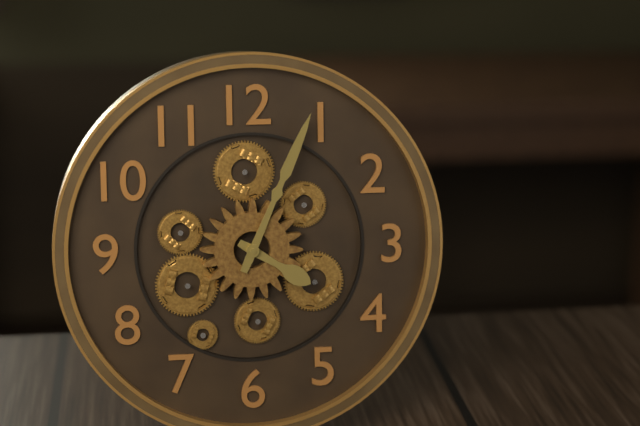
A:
4,04
